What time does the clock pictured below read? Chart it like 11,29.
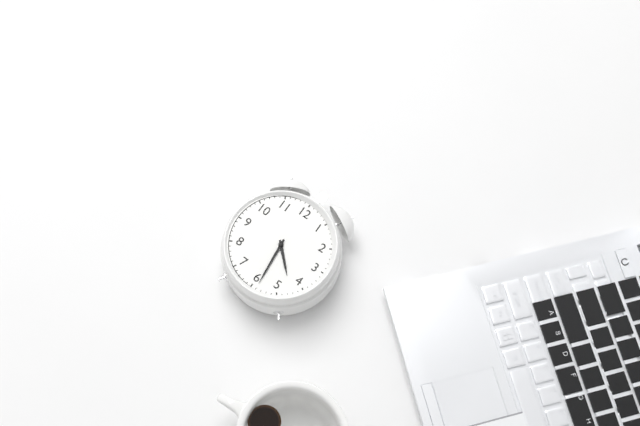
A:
4,29
